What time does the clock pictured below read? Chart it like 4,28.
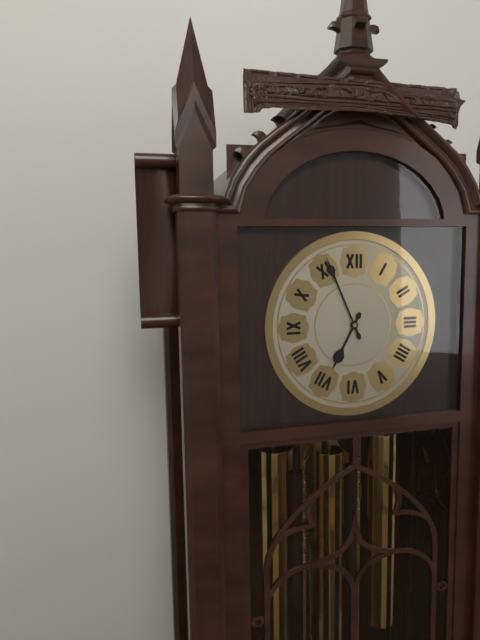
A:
6,56
